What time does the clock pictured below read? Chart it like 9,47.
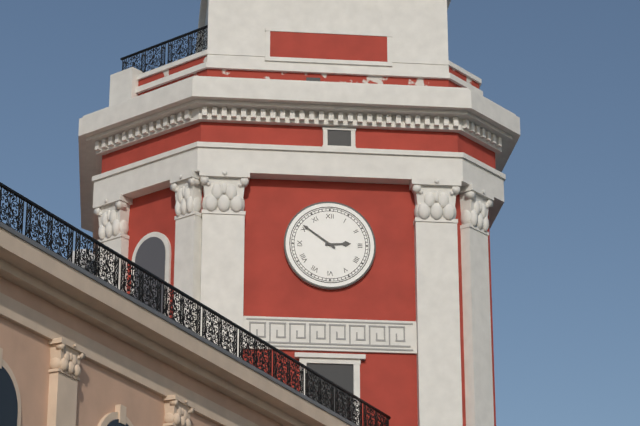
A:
2,51
